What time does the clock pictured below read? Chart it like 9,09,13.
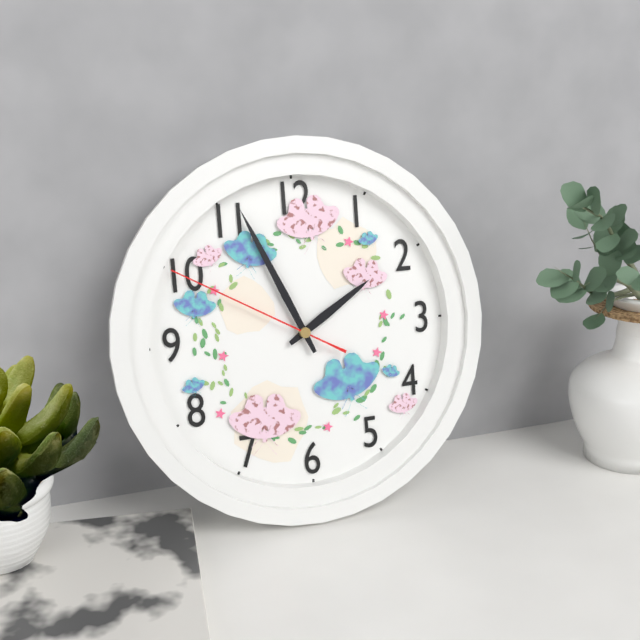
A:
1,56,50
